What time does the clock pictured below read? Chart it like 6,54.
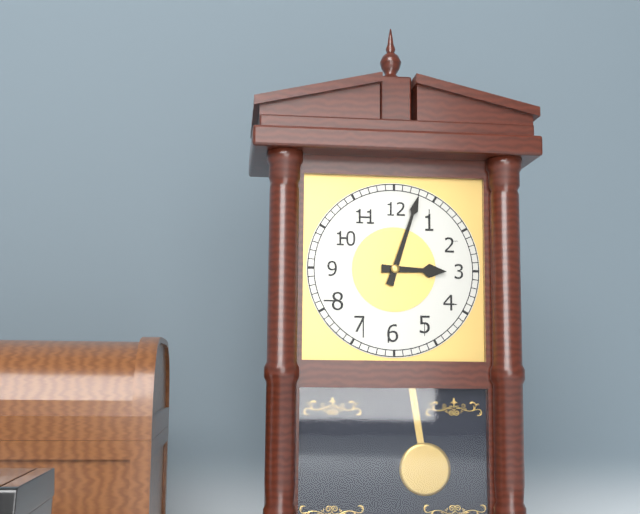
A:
3,03
